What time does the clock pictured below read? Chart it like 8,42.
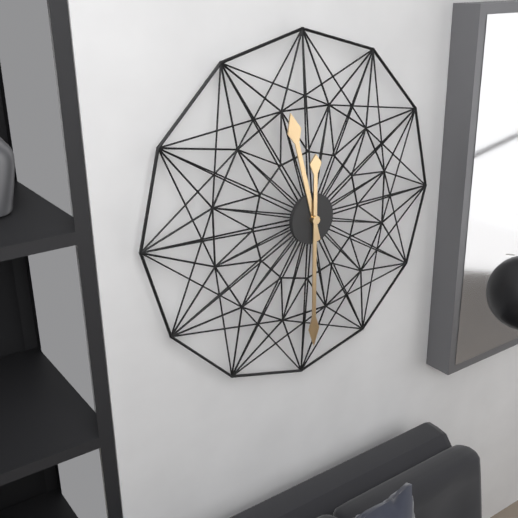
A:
11,30
